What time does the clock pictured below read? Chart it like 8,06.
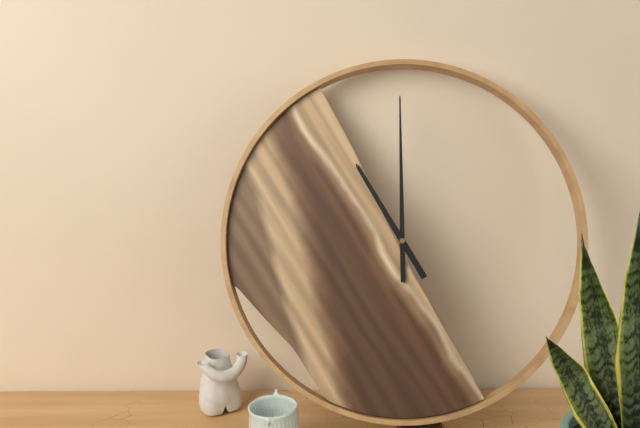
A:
11,00
